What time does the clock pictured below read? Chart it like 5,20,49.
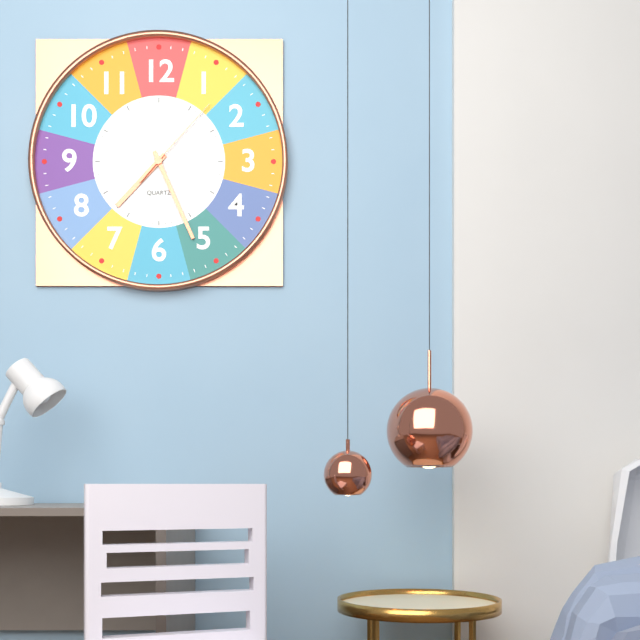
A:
7,26,07
